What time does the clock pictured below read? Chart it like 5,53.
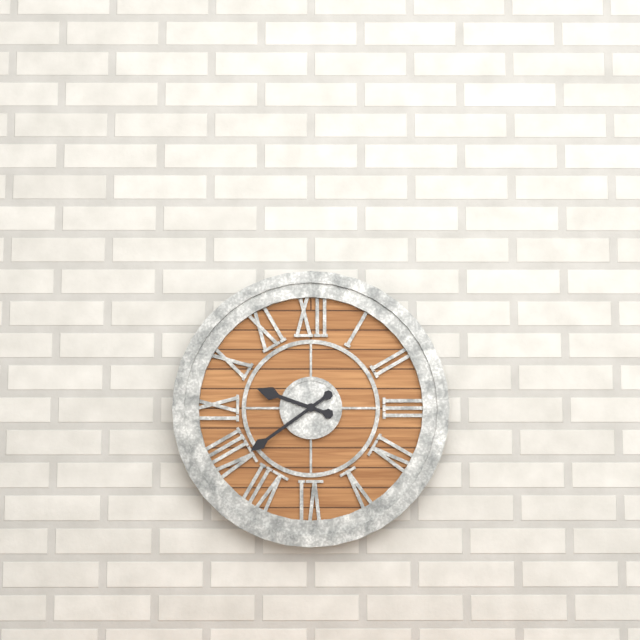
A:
9,39
